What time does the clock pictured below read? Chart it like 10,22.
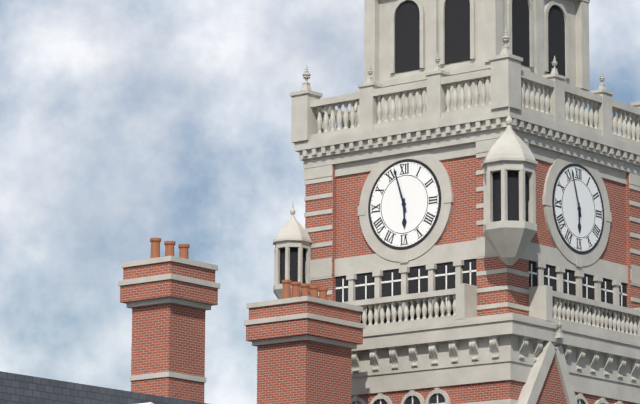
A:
5,57
